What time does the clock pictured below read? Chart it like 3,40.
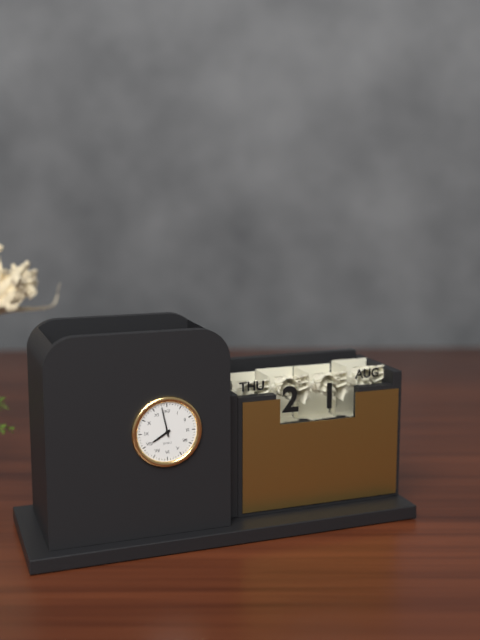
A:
7,58
